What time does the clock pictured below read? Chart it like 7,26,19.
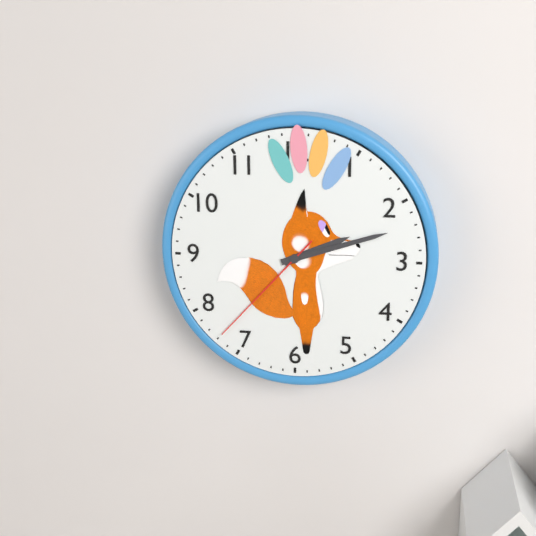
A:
2,12,37
